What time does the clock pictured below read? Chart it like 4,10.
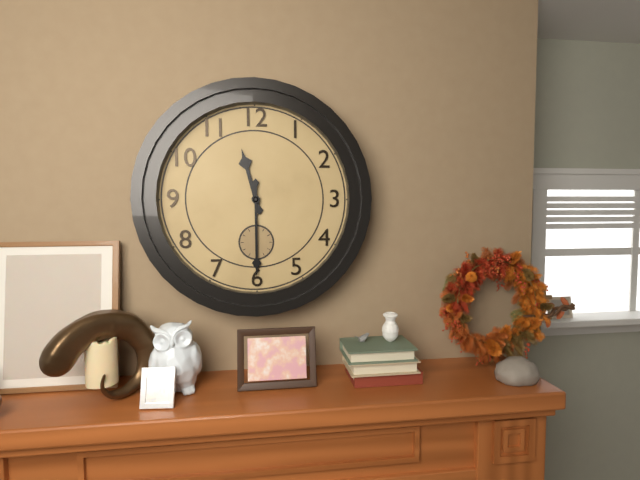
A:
11,30
